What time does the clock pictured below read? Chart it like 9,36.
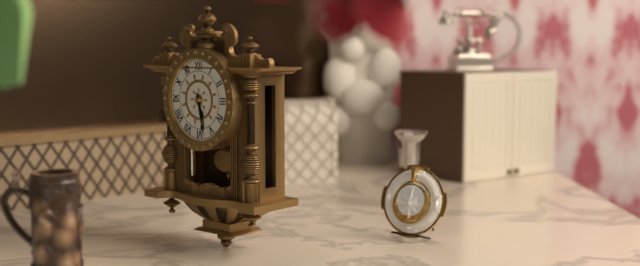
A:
5,28
